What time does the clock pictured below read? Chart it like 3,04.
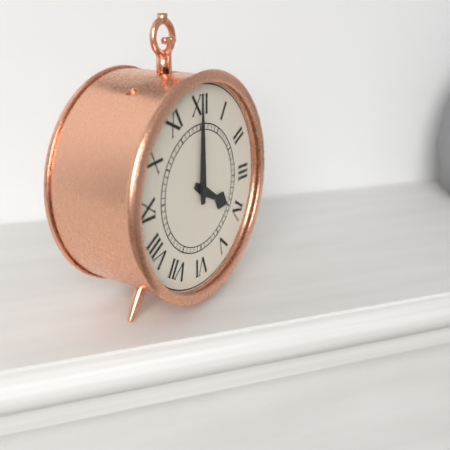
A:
4,00
